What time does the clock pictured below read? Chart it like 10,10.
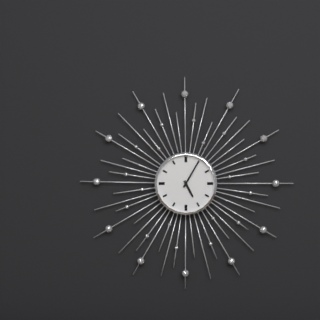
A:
5,05
